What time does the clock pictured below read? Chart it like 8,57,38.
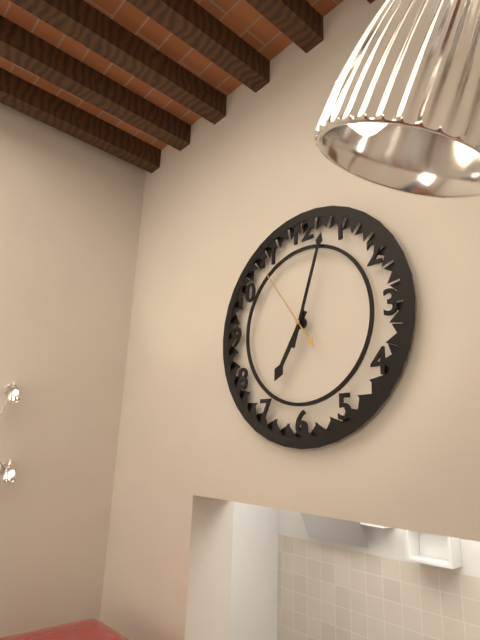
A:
7,03,54
